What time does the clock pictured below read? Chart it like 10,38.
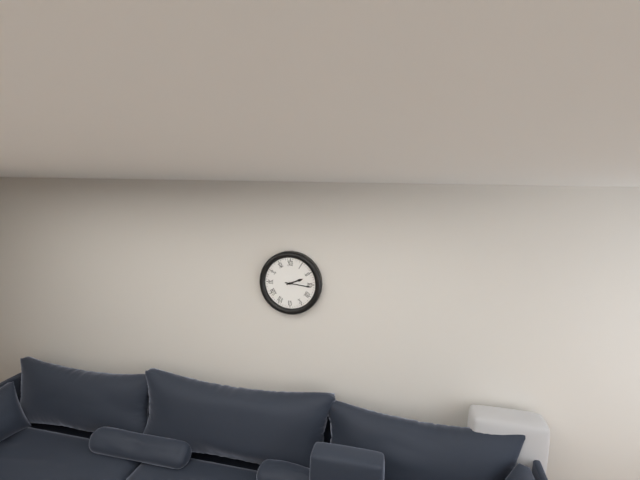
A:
2,16
